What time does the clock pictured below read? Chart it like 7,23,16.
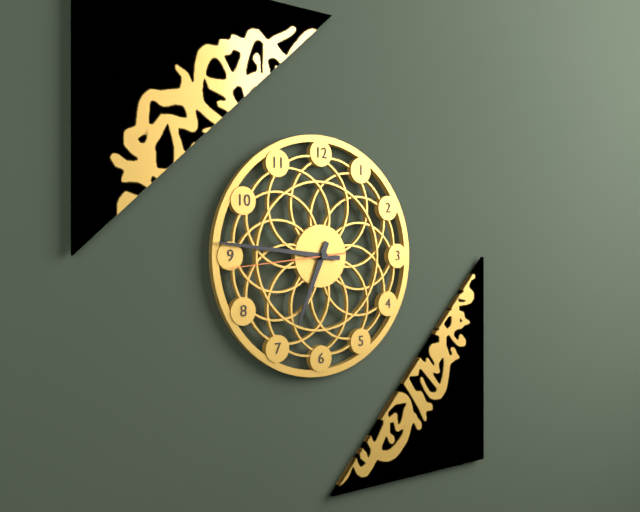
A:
6,46,44
